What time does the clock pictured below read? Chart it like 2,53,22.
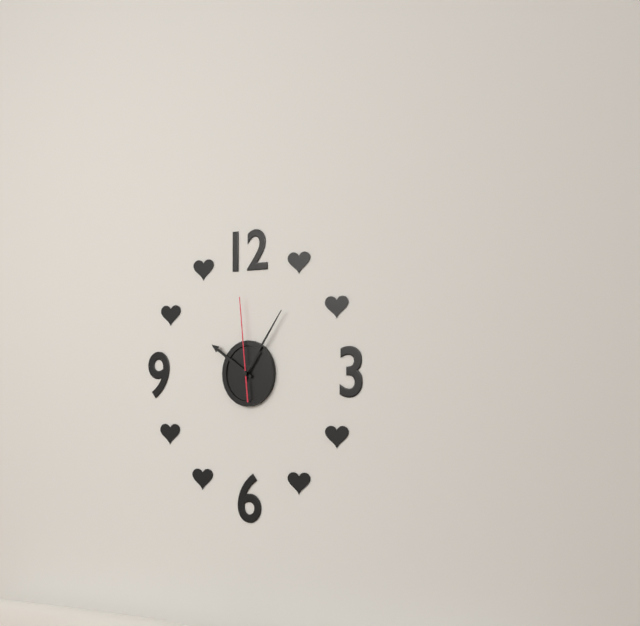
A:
10,06,59
